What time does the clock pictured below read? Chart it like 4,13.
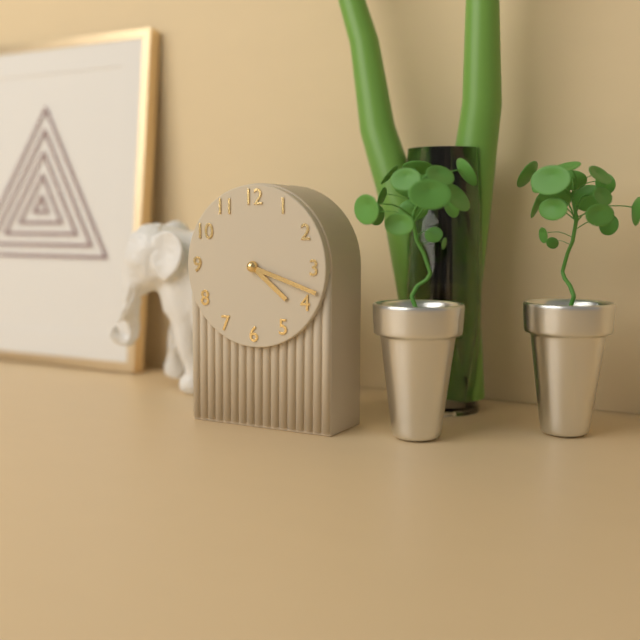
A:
4,18
